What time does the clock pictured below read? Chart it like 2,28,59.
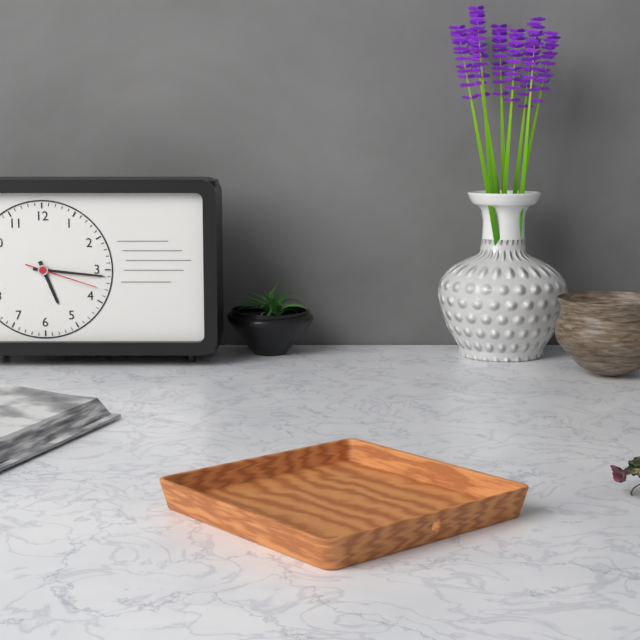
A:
5,16,18
